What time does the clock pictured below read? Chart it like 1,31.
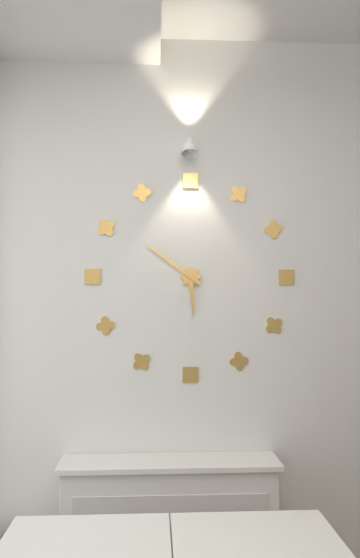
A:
5,51
